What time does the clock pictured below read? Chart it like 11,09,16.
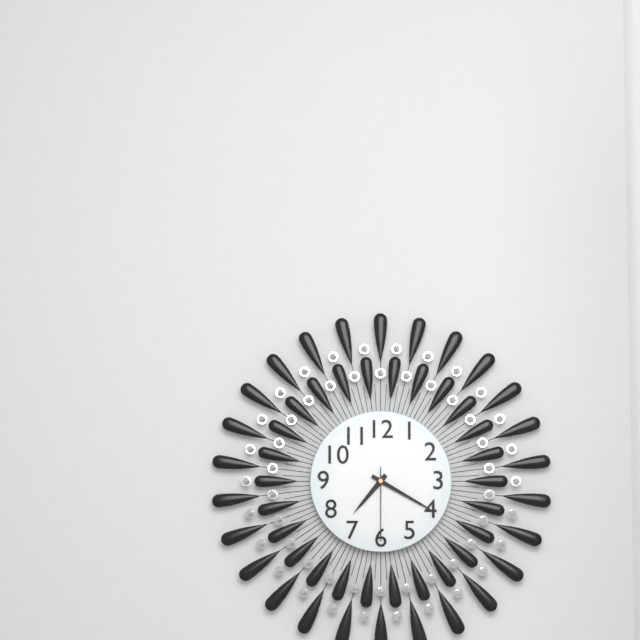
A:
7,20,30
